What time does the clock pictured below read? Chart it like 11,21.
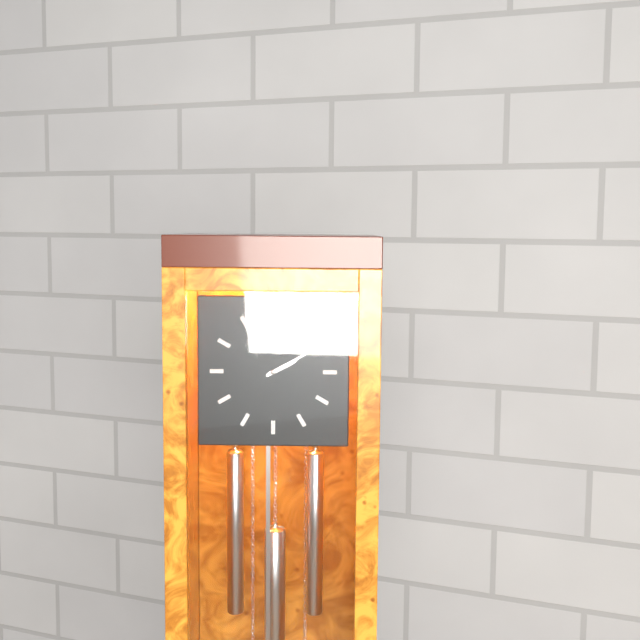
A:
2,10
